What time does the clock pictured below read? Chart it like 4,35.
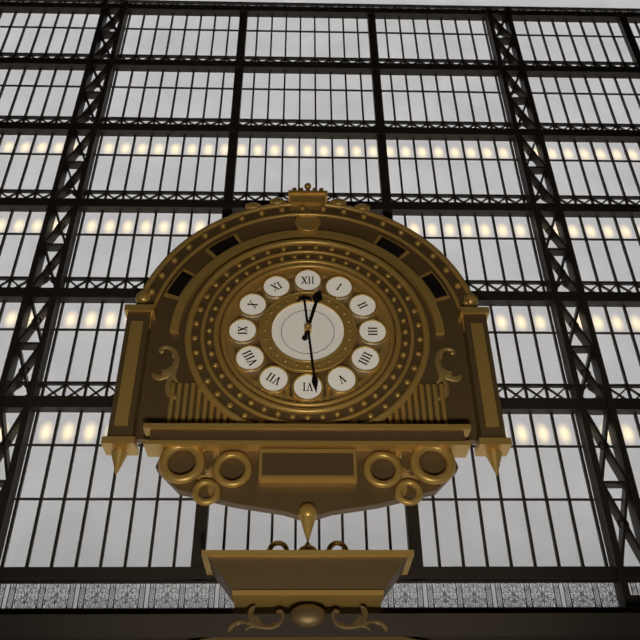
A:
12,29
